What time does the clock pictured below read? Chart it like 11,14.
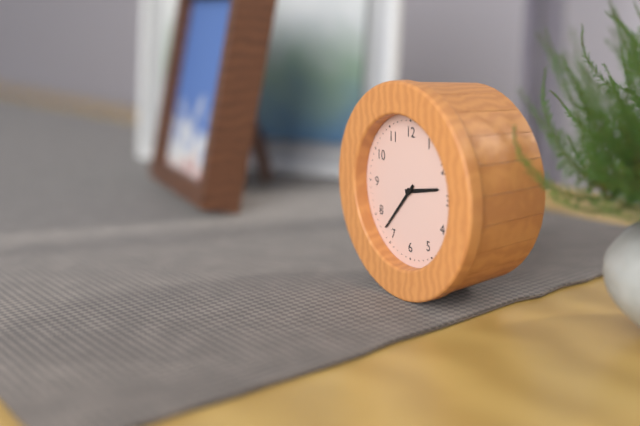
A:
2,37
